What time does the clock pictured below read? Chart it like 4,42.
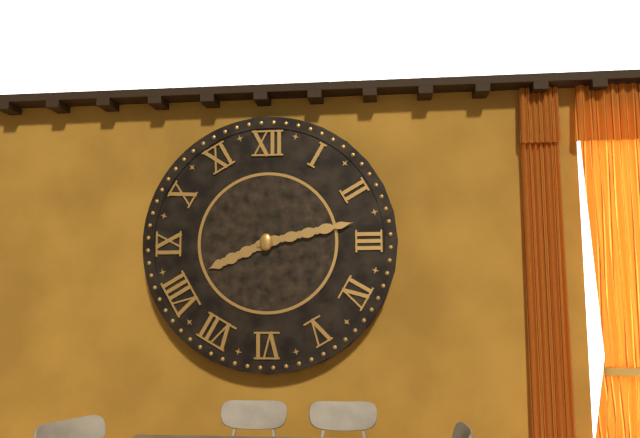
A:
8,13
